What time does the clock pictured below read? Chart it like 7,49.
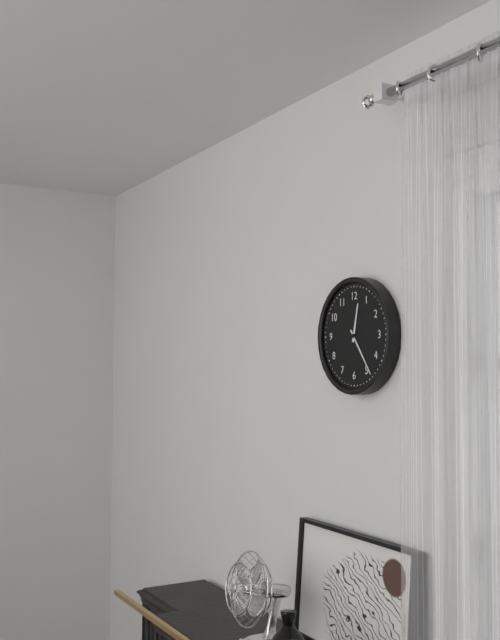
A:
12,24
